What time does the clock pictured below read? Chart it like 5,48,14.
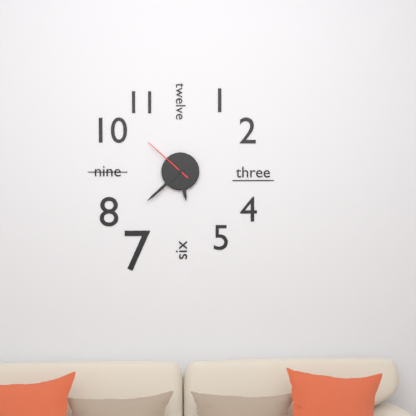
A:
5,38,52
